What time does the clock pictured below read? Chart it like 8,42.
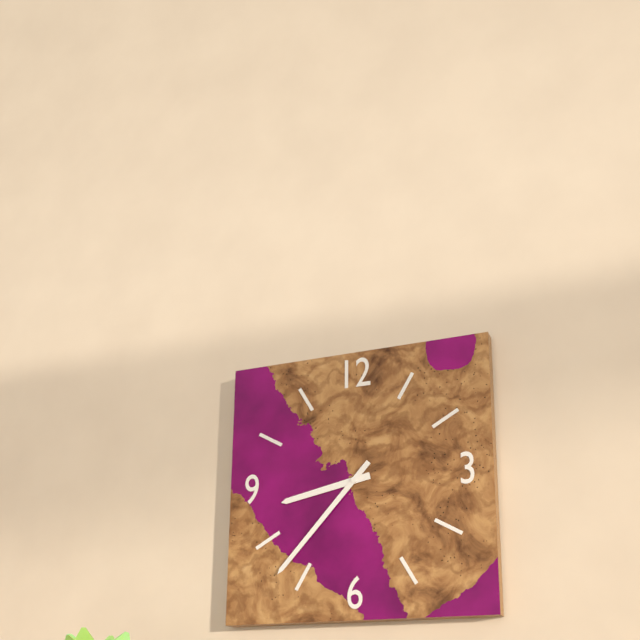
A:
8,37
